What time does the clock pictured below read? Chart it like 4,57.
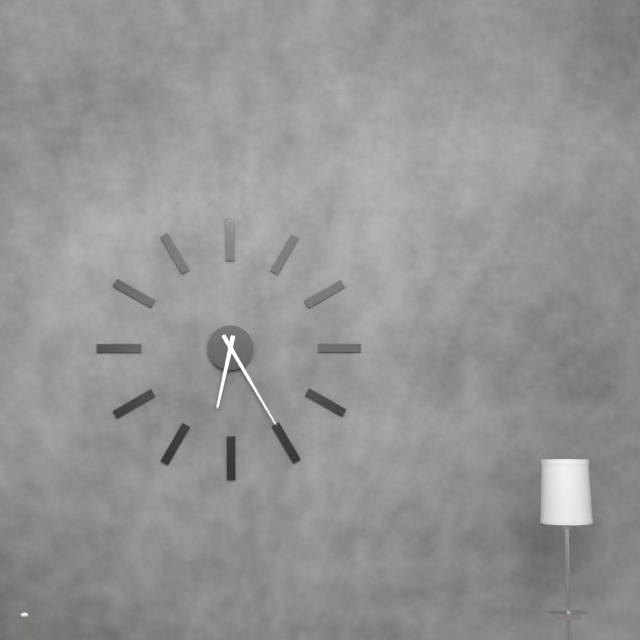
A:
6,25
